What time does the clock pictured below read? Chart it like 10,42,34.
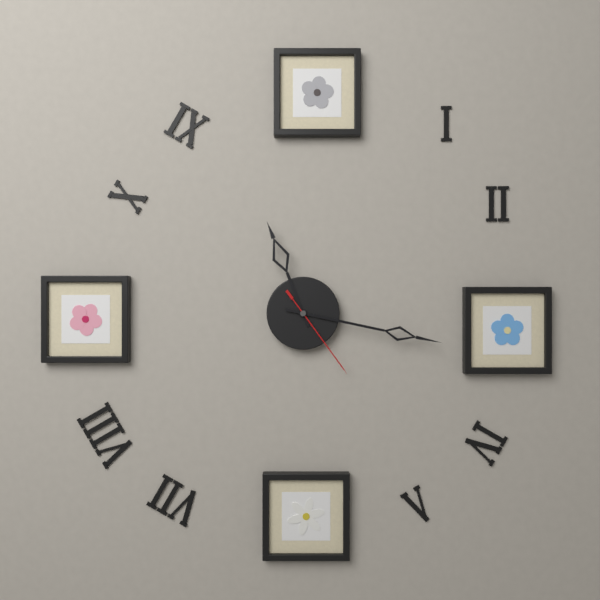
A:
11,17,24
